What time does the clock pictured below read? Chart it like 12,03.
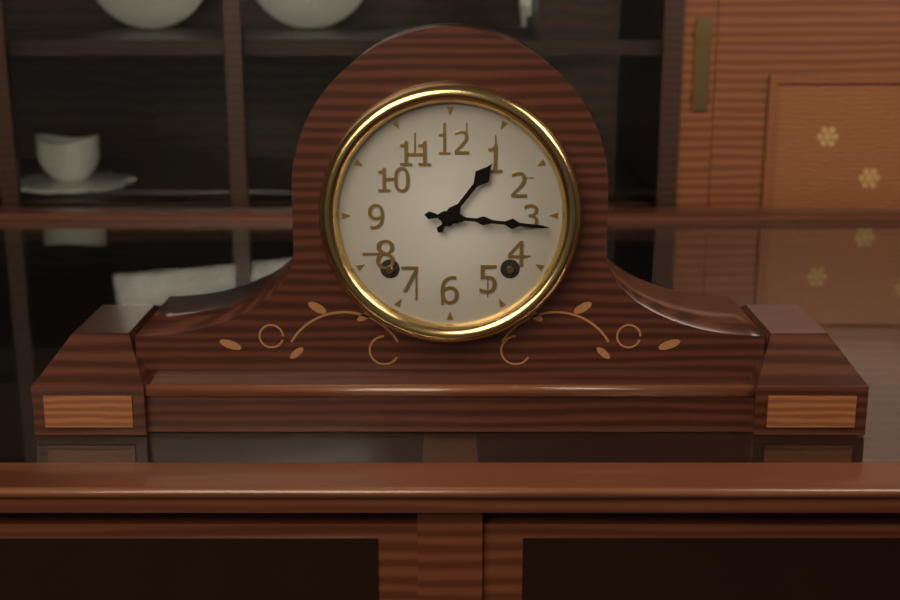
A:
1,16
